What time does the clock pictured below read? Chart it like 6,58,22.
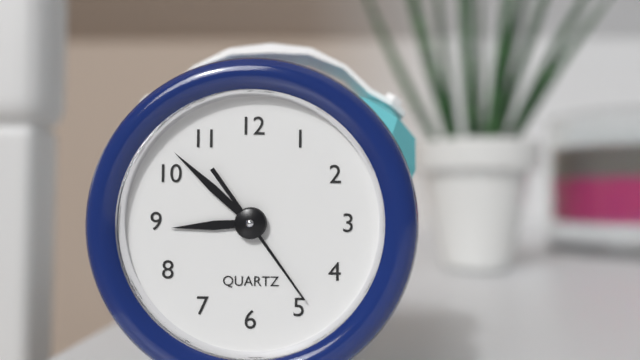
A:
8,52,24
